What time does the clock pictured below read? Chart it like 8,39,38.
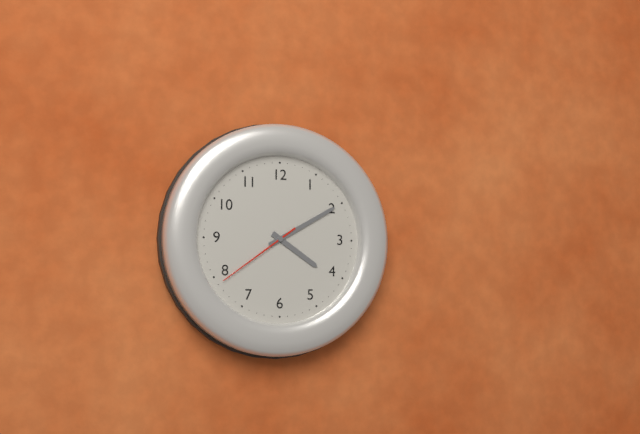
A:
4,10,39
